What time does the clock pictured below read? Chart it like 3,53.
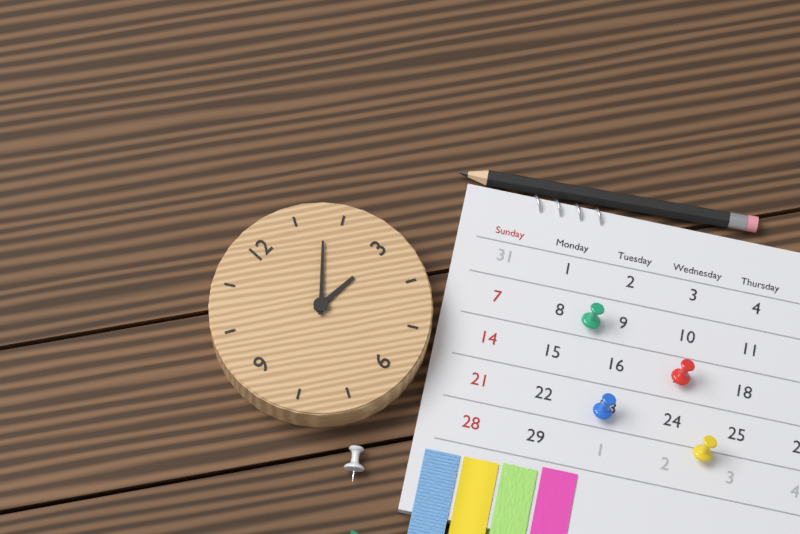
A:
3,08
